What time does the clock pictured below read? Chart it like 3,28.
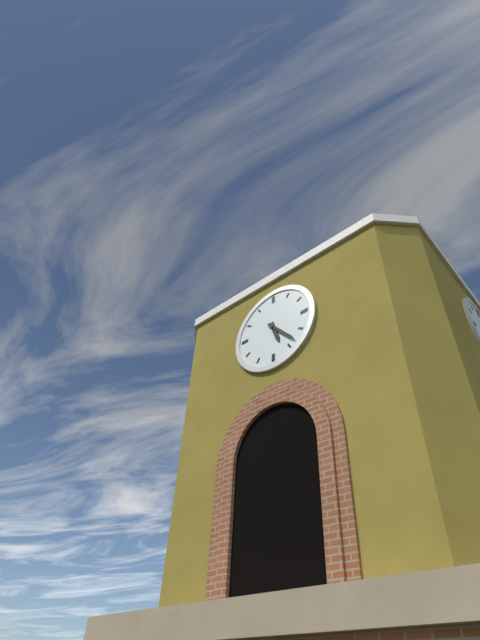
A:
5,23
